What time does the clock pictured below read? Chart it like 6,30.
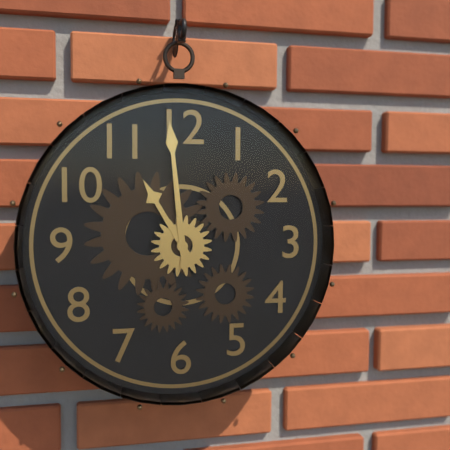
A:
10,59
